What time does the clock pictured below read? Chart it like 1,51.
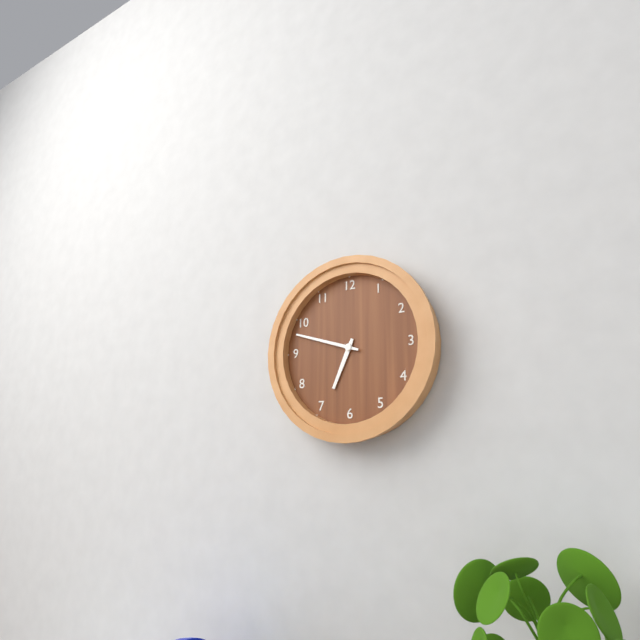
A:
6,48
